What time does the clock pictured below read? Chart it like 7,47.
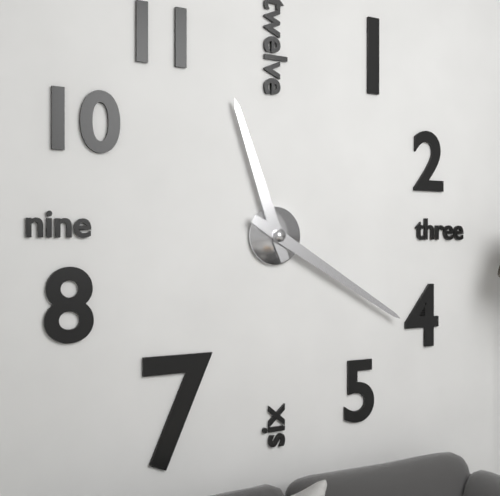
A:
11,20
